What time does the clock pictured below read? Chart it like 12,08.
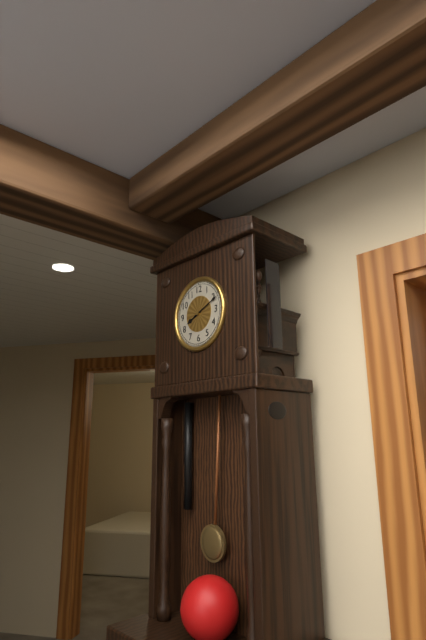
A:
8,11
